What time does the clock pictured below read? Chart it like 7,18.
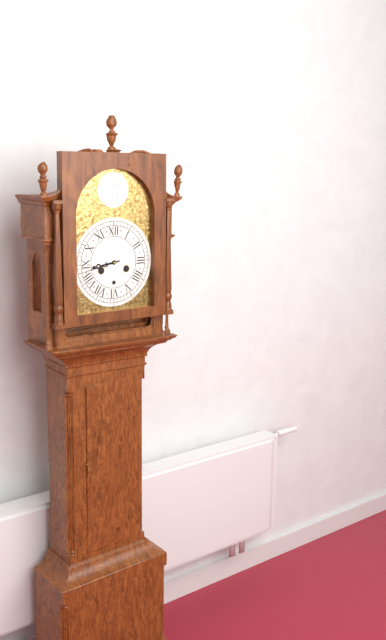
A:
8,43
